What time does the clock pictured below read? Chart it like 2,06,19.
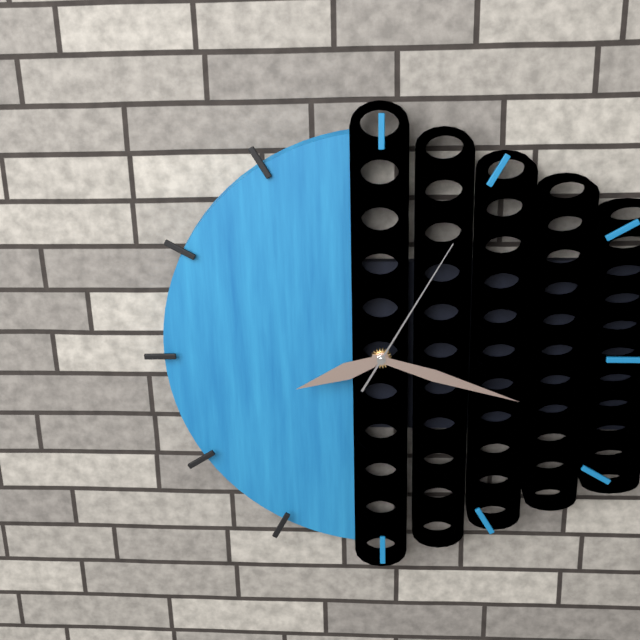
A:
8,18,05
